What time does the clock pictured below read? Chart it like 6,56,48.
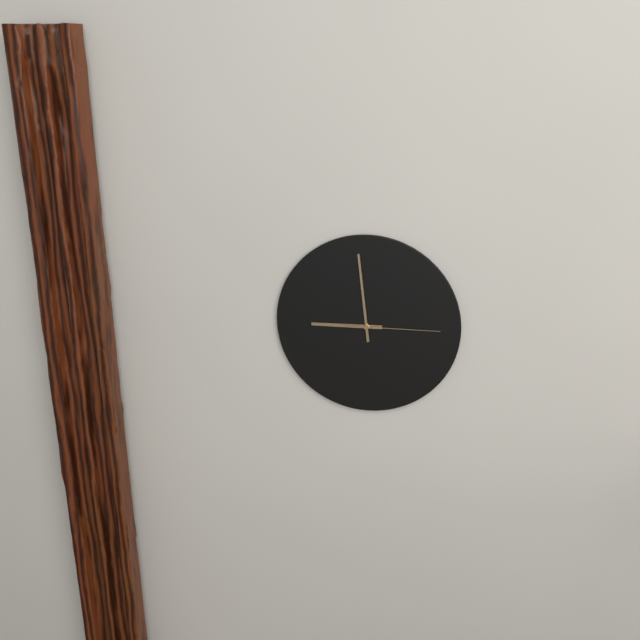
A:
8,59,15
